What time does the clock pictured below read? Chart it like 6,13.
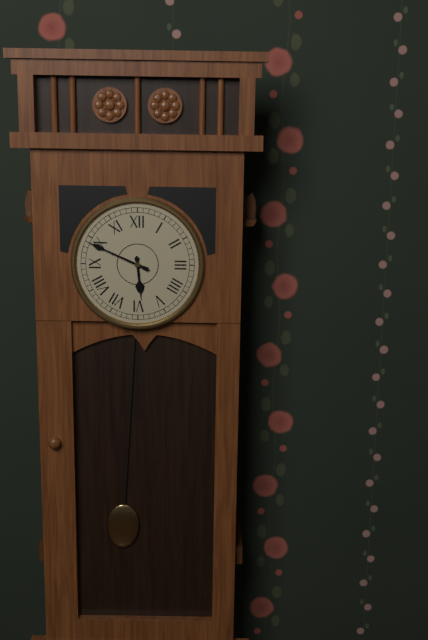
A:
5,49
